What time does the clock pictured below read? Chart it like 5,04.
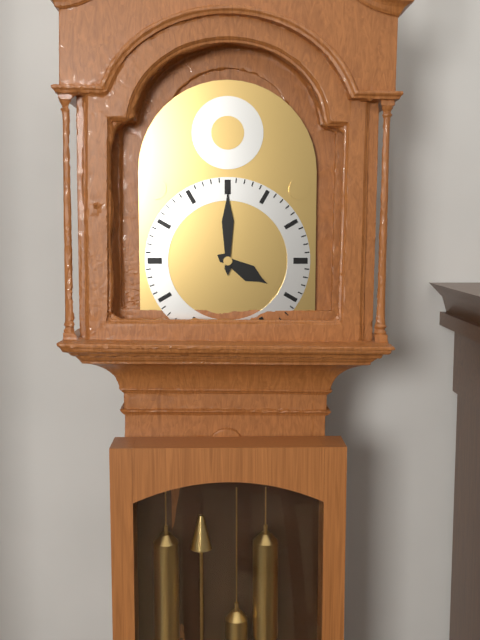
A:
4,00
